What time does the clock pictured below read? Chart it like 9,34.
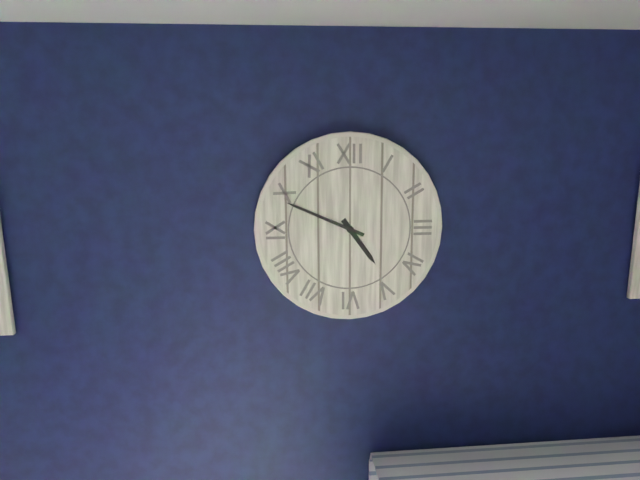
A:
4,49
